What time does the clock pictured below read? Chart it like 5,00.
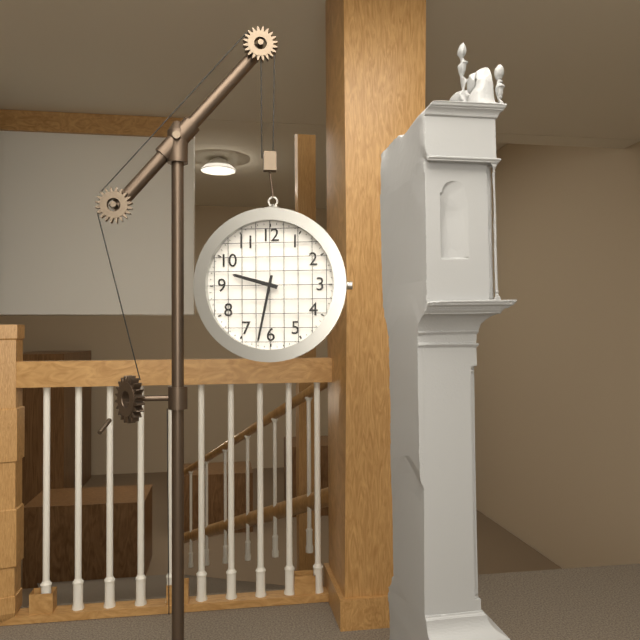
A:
9,32
